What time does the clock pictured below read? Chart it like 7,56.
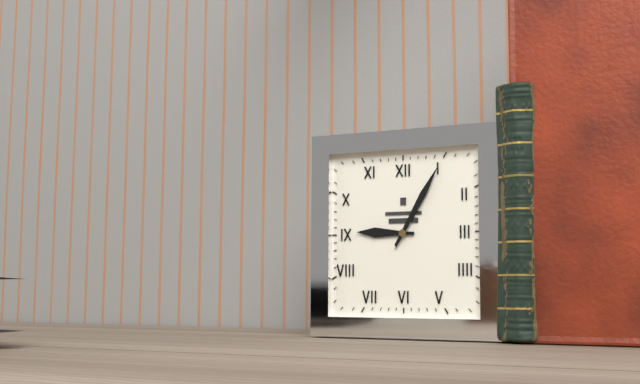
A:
9,05
